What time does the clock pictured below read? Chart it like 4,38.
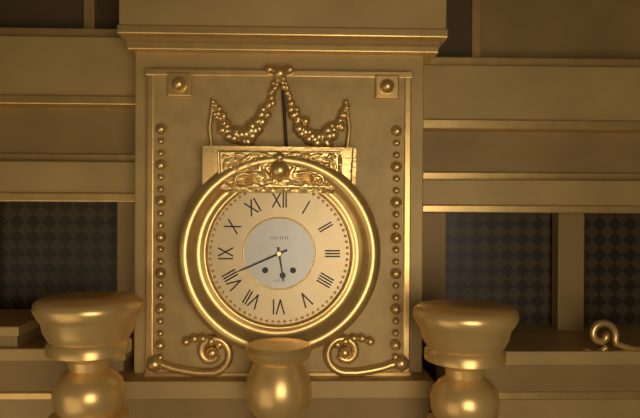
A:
5,41
